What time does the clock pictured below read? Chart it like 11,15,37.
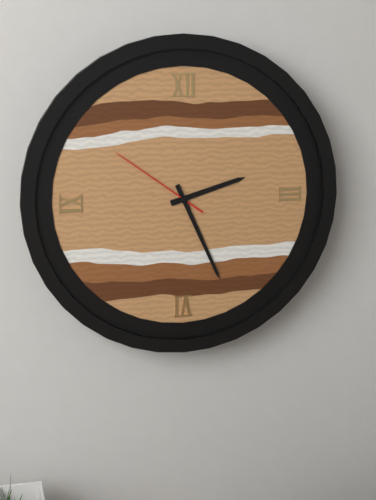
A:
2,26,51
